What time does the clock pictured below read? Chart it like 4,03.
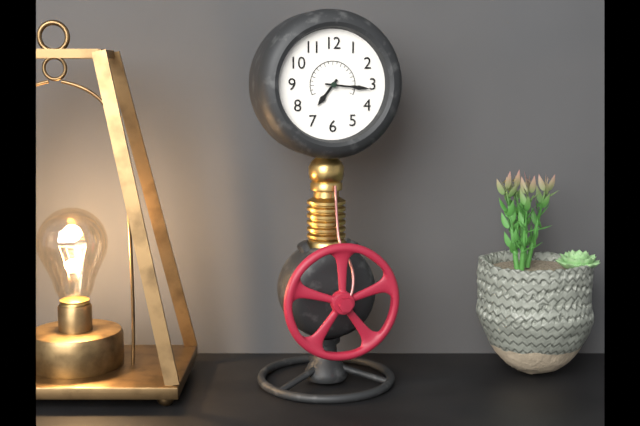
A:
7,16
